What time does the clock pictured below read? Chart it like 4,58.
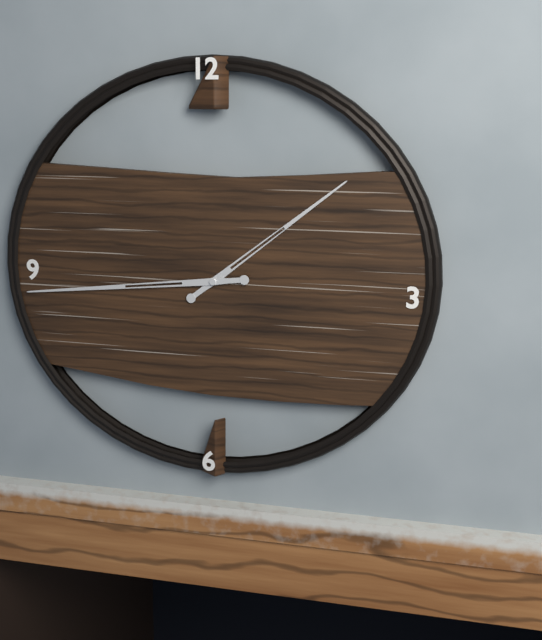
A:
1,44
